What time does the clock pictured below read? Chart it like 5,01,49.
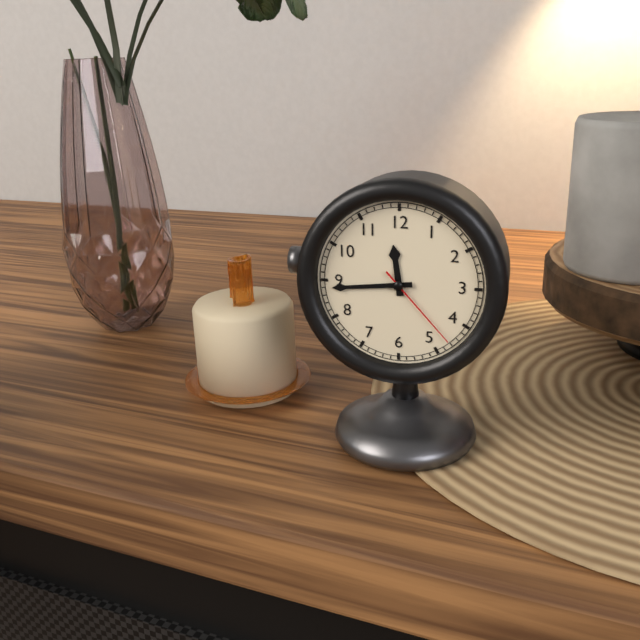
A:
11,44,23
